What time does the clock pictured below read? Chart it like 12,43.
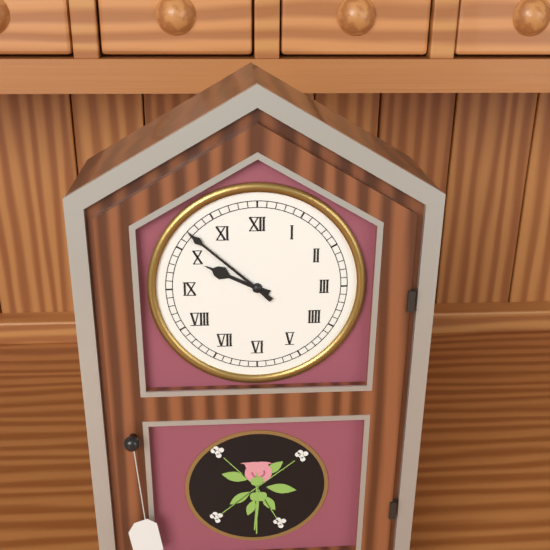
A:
9,52
